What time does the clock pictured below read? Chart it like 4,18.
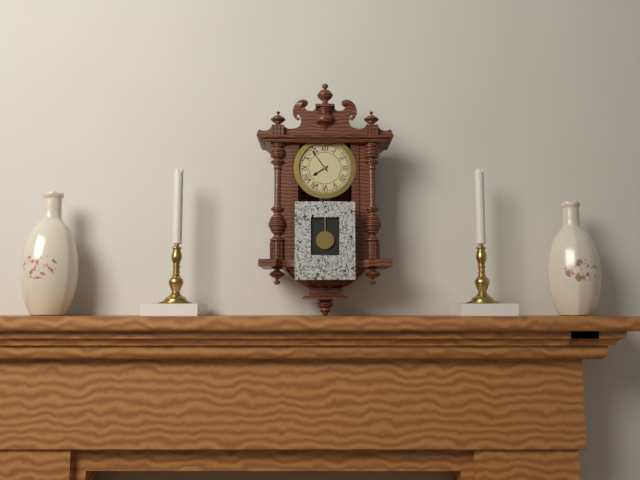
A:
7,54
